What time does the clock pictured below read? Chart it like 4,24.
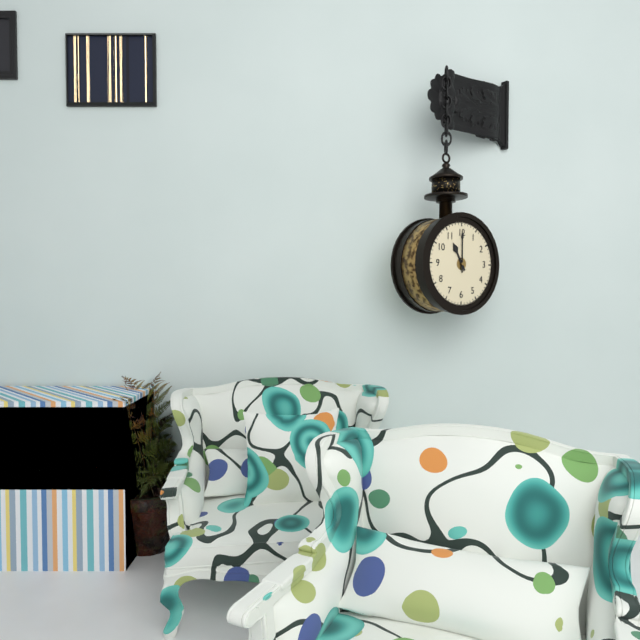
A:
11,00
